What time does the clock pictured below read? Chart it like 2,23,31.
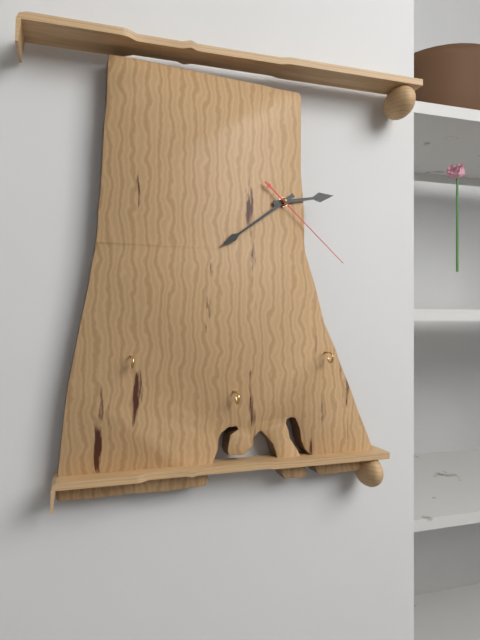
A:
2,39,22
